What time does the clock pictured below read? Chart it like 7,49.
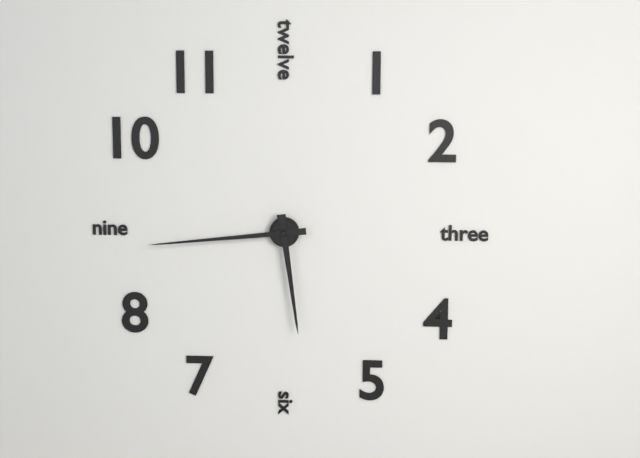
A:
5,44
